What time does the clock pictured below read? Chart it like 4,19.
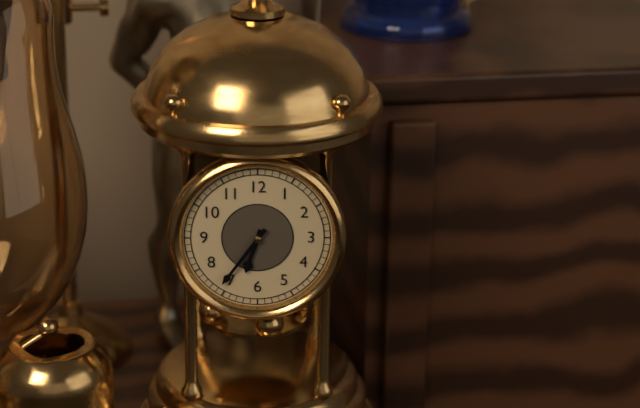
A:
6,36
